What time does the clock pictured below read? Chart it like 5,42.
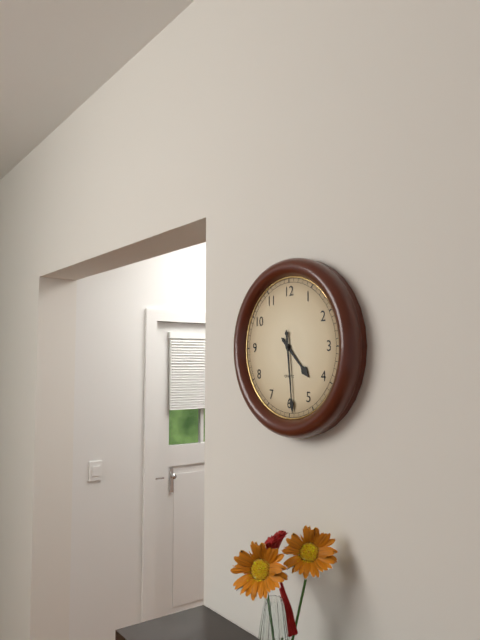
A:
4,29
